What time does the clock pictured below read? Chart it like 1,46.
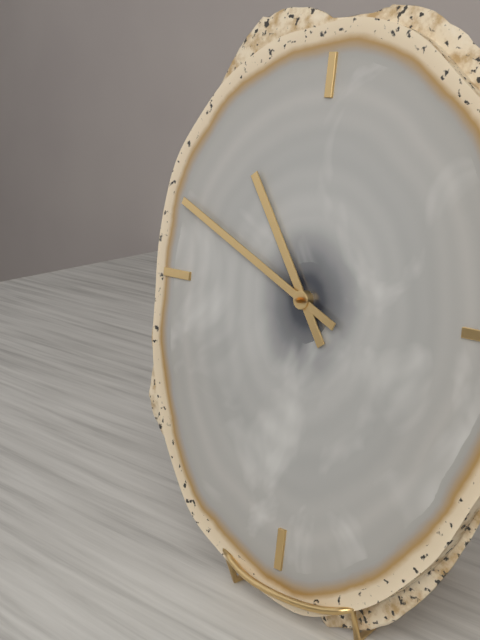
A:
10,49
